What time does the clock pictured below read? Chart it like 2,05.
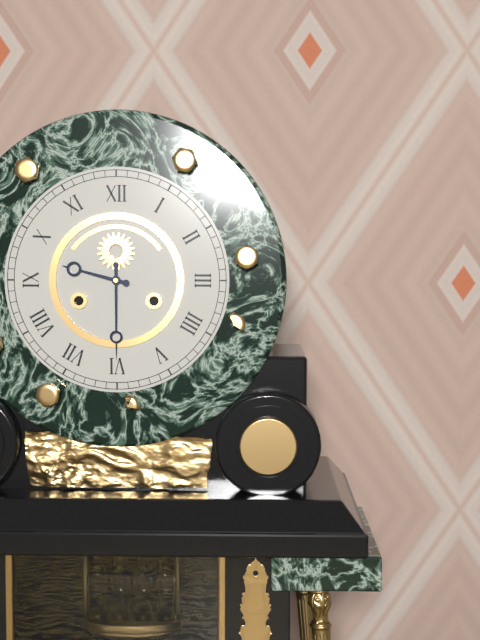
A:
9,30
